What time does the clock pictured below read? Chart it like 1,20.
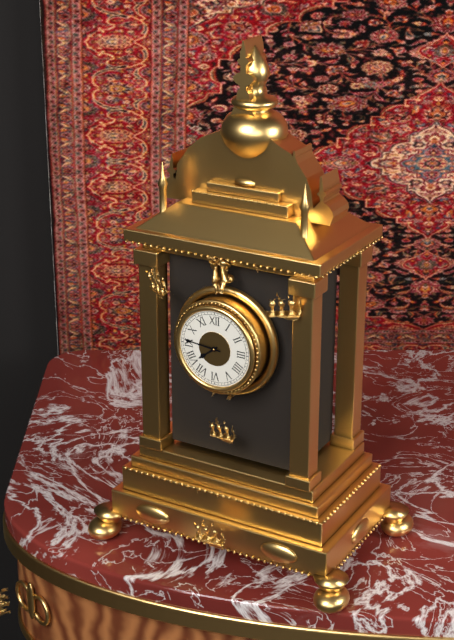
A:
7,46
